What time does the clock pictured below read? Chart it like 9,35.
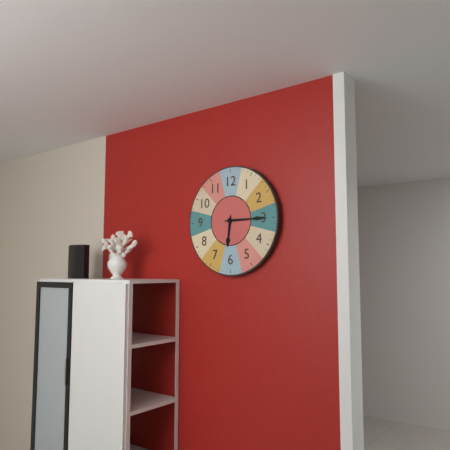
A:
6,15
